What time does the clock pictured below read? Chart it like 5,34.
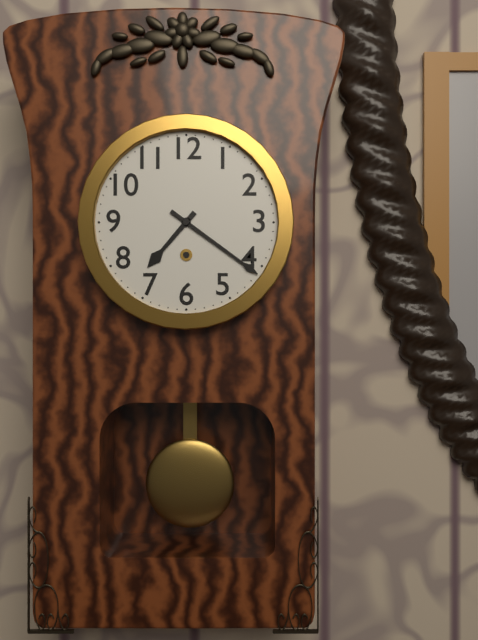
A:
7,21
